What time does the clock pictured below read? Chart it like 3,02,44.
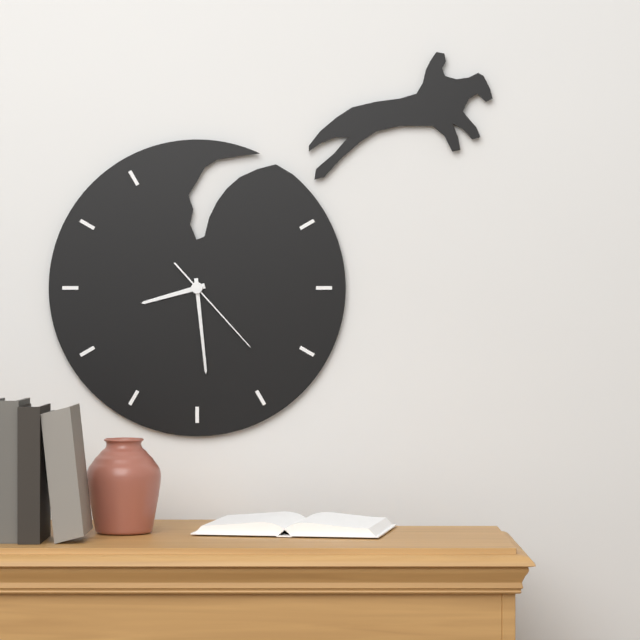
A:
8,29,23
